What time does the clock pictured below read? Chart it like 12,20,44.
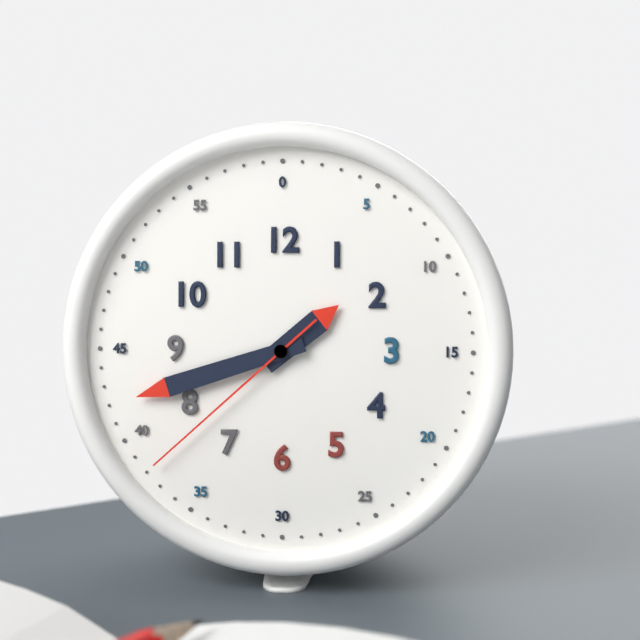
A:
1,42,38
